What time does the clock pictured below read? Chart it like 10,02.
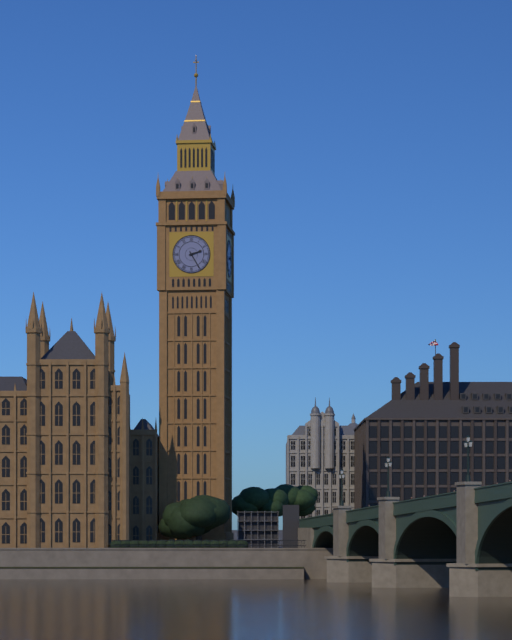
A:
2,25
